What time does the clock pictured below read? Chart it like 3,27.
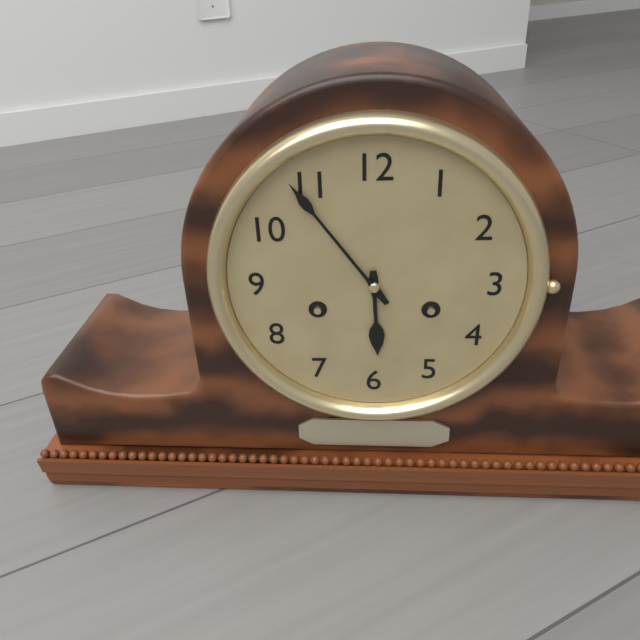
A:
5,54
